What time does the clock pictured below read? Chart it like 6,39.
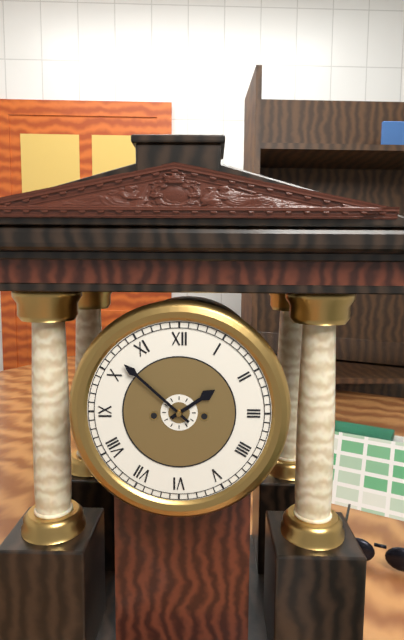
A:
1,52
